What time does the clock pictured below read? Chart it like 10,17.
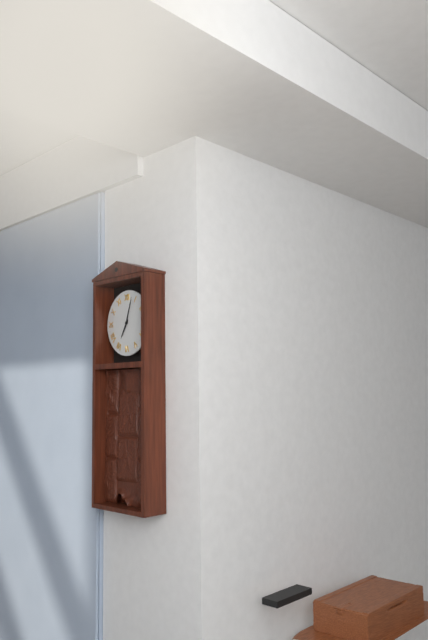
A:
7,03
